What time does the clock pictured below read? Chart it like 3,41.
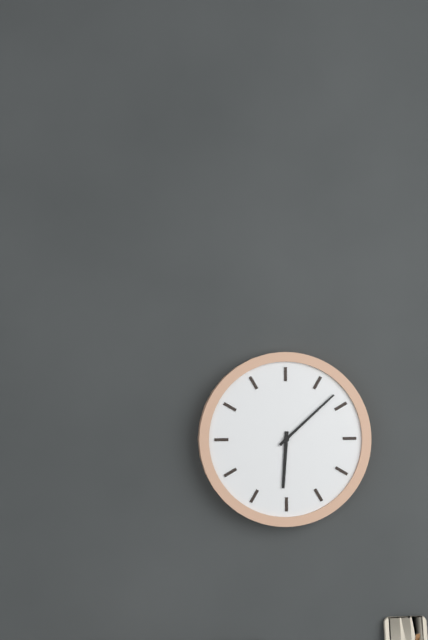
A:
6,08
